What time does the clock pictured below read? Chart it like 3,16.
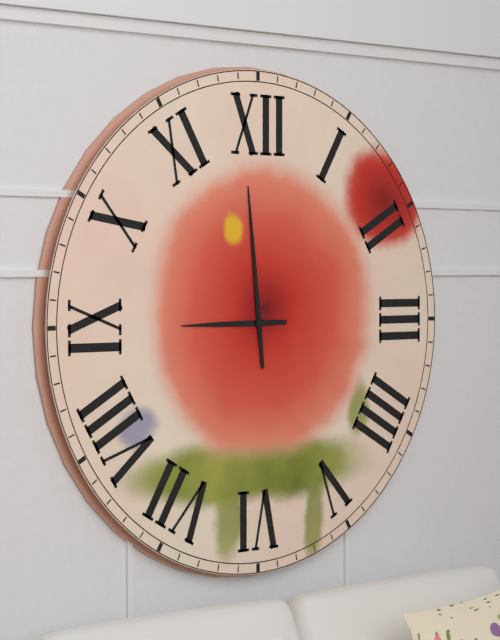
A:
8,59
